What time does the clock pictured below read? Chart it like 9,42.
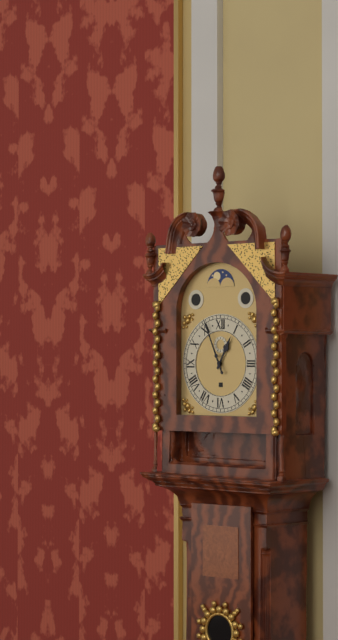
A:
12,56
